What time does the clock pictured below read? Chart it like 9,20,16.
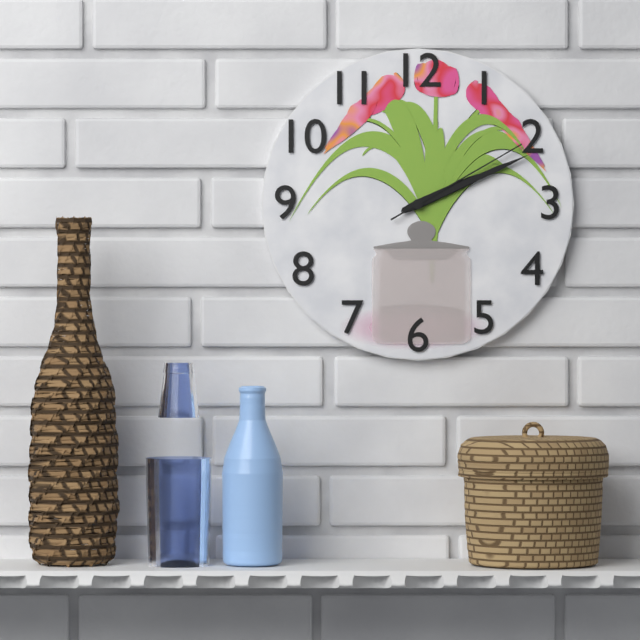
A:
2,11,10
